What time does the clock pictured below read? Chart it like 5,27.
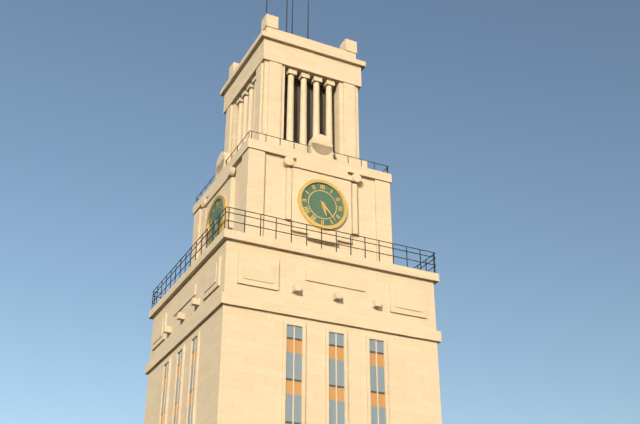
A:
5,23
